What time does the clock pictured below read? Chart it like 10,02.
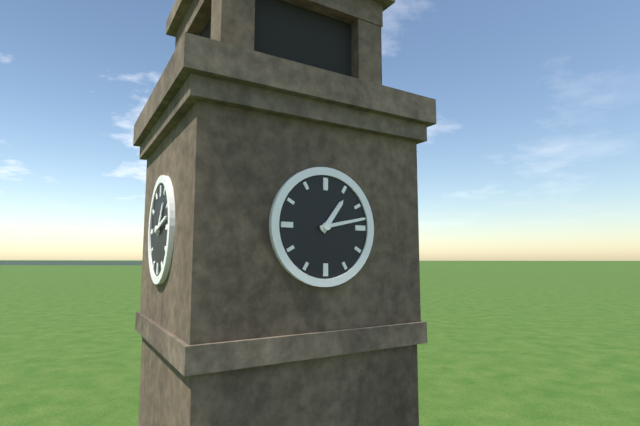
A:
1,13
